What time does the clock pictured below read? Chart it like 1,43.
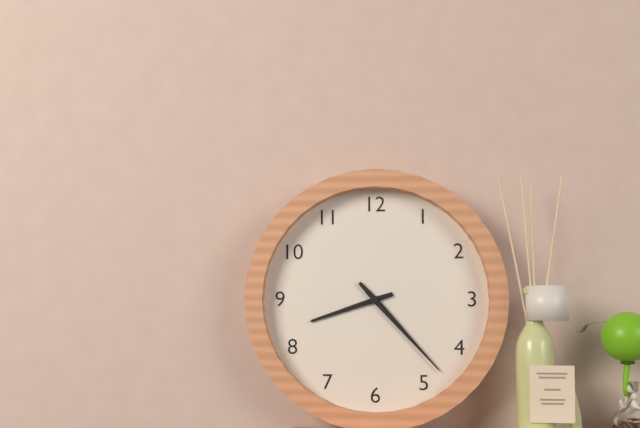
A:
8,23
